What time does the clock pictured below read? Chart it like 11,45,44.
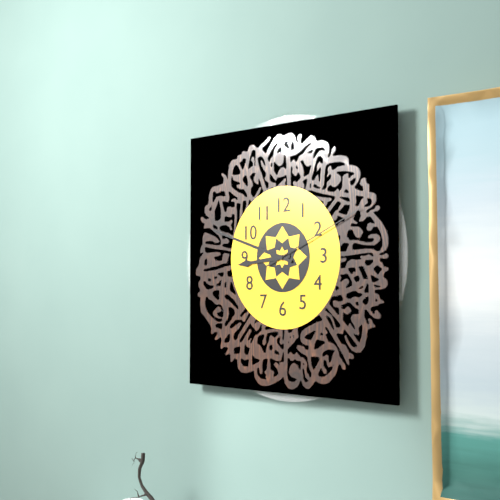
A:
8,48,11
